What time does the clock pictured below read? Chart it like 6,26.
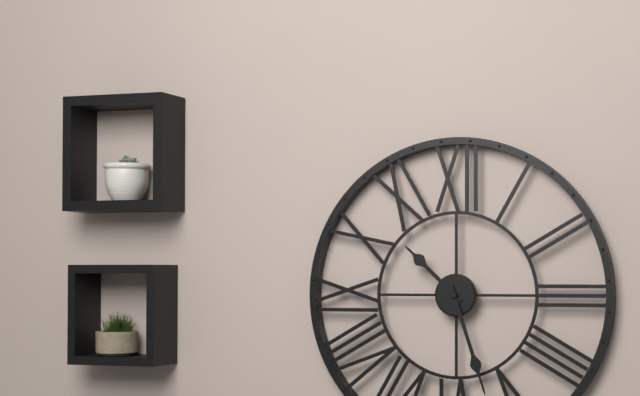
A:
10,27
